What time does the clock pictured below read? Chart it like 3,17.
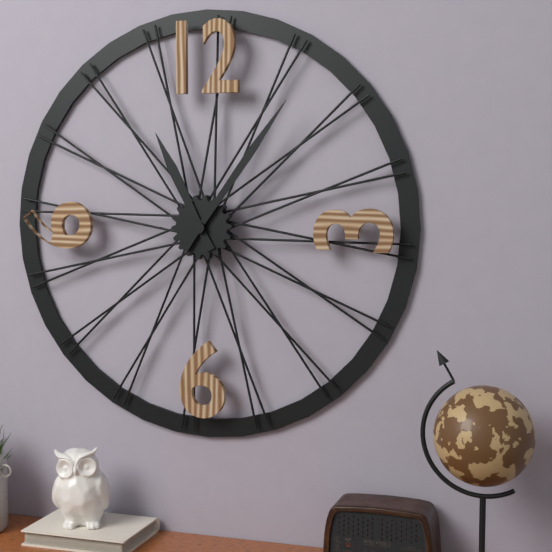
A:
11,06
